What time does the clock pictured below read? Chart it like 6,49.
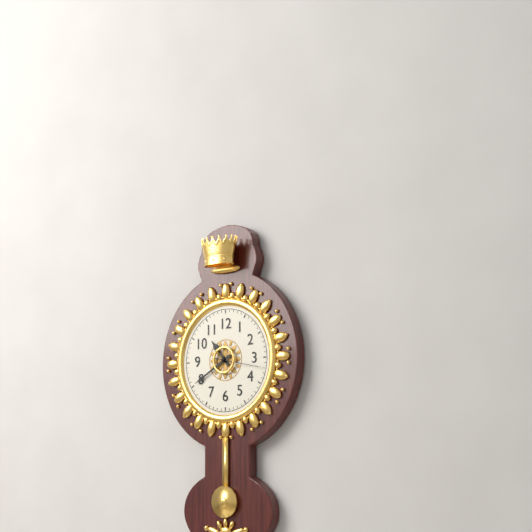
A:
10,40
